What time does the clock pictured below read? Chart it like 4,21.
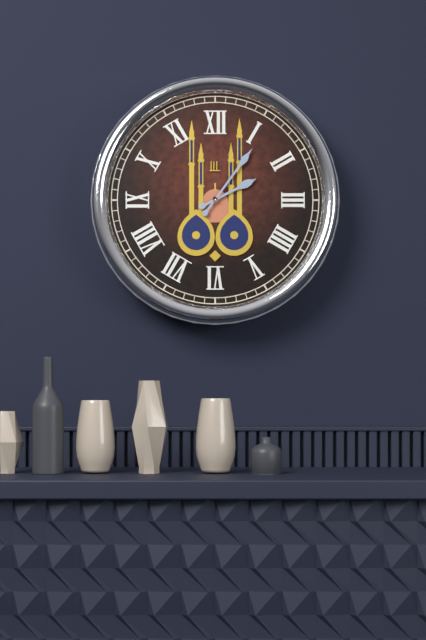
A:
2,06
